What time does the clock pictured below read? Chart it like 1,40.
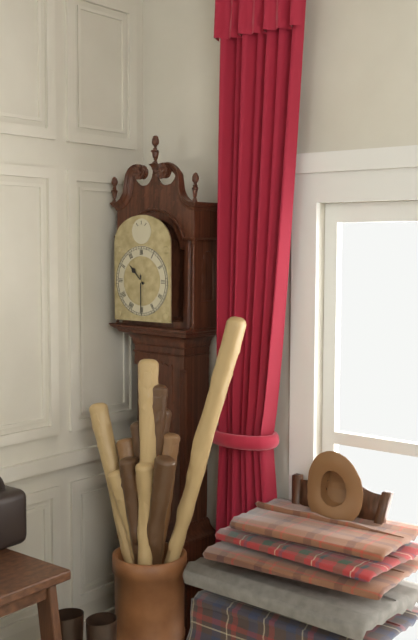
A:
10,30
